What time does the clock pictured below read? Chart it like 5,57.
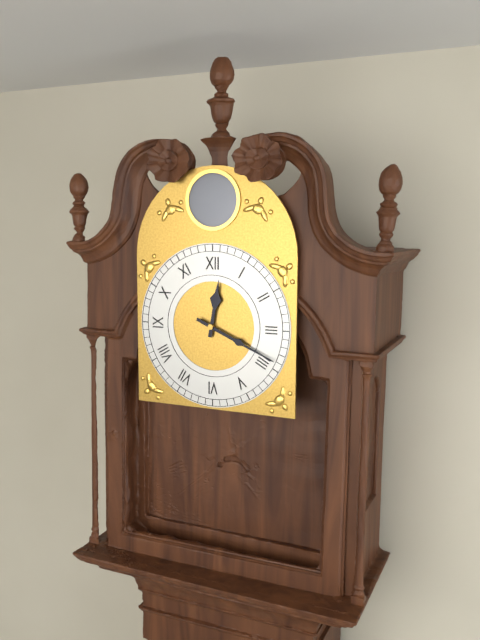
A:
12,19
